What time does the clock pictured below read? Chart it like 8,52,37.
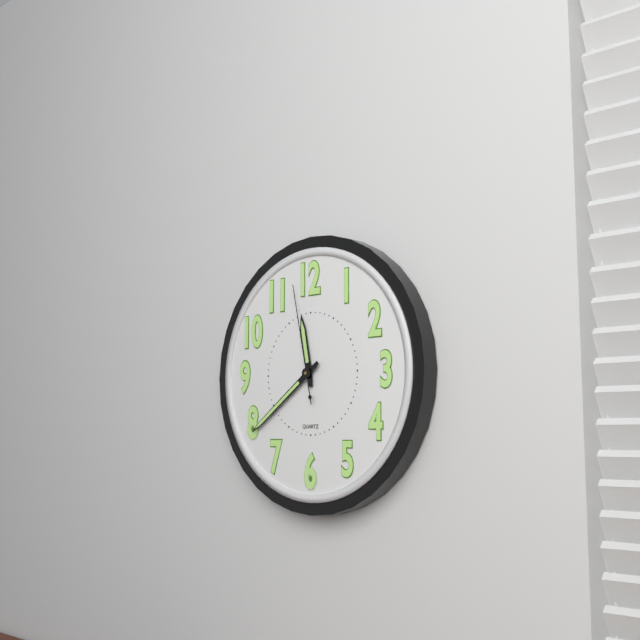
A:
11,39,58
